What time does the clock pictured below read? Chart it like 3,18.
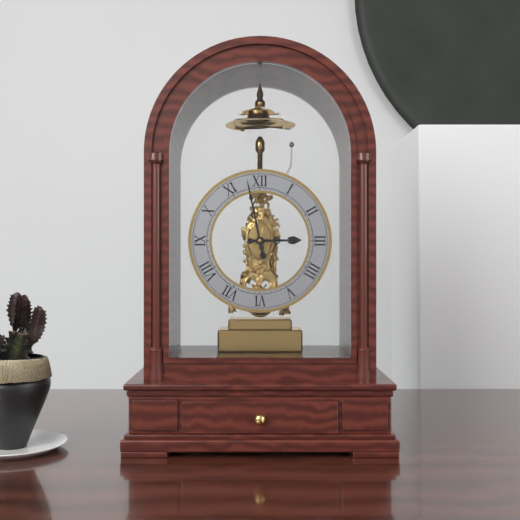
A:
2,58
